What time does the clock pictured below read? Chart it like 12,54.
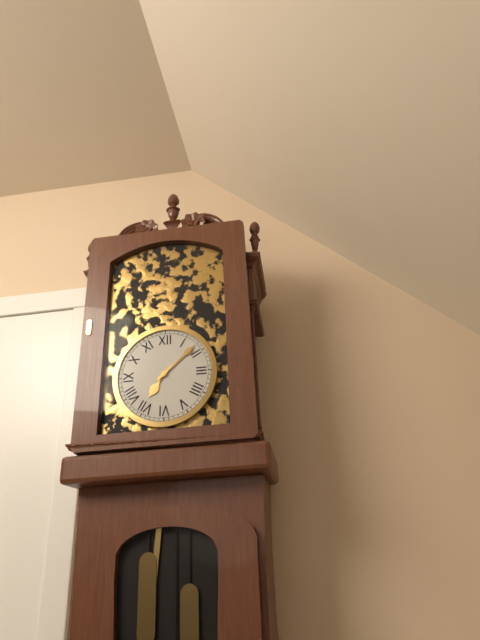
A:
7,08
